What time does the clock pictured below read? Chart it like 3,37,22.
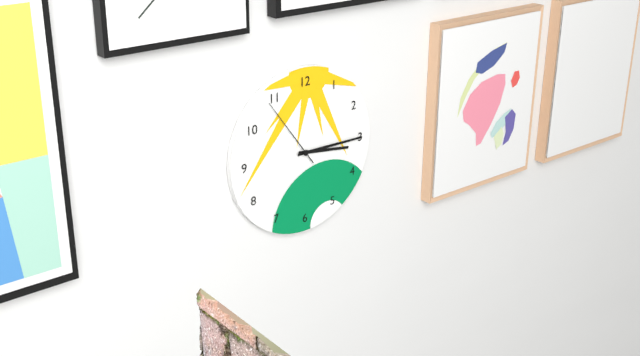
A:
3,15,54
